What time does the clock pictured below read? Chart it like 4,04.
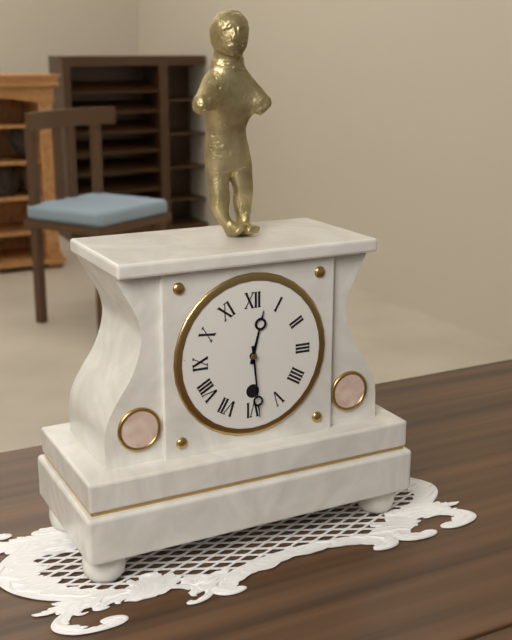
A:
12,29
